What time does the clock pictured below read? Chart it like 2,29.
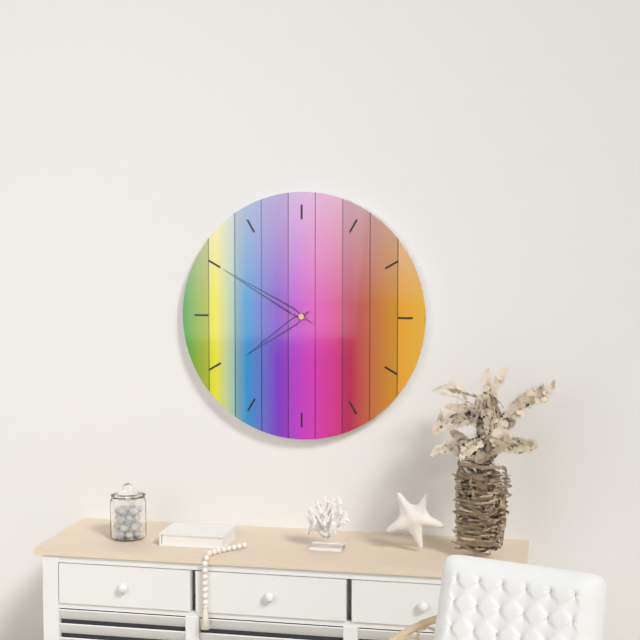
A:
7,50
